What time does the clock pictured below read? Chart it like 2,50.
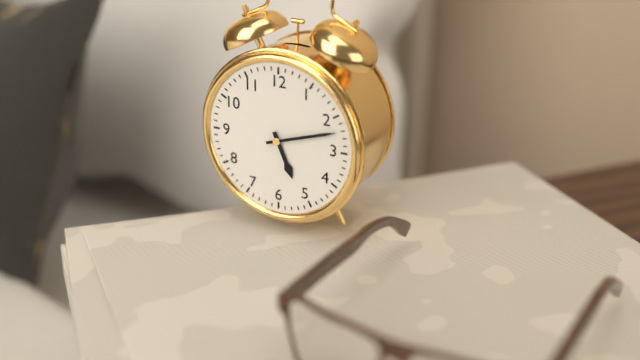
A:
5,12
